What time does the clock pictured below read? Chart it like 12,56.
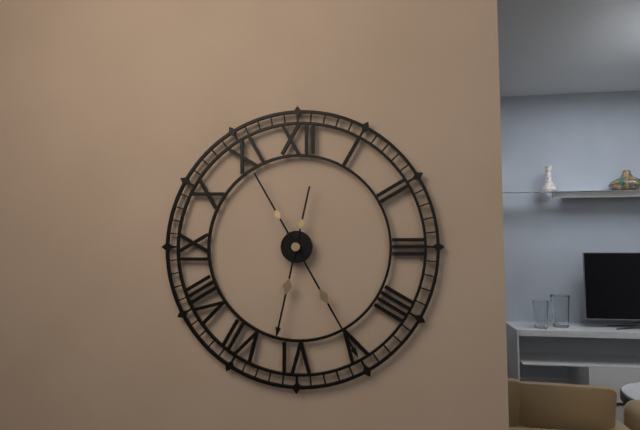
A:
6,25
